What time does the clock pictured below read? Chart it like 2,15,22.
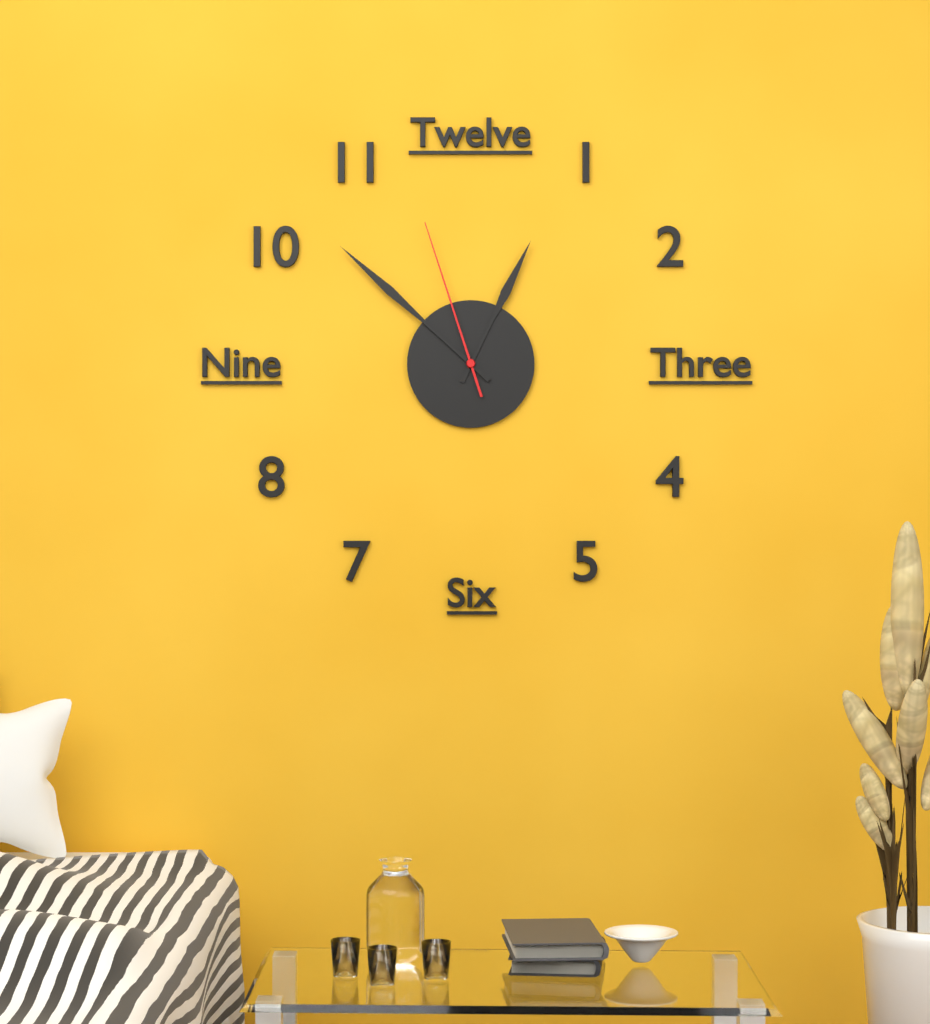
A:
12,52,57
